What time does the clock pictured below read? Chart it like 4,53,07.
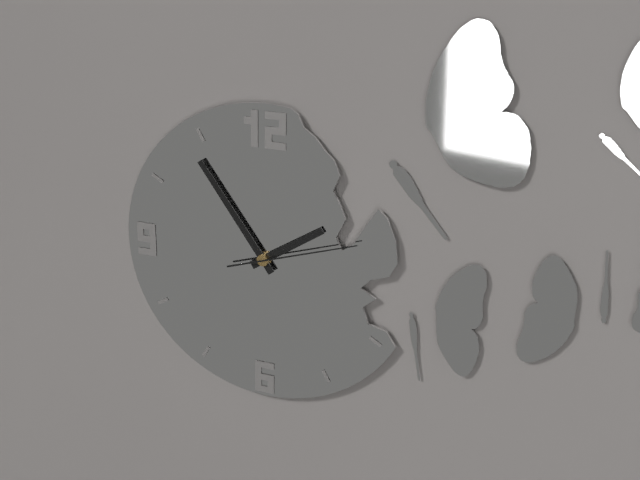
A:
1,54,12
